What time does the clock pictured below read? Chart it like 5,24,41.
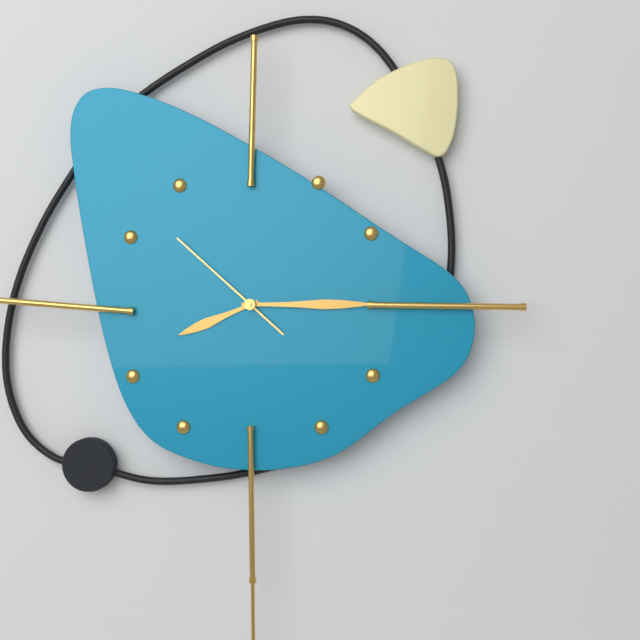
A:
8,15,52
